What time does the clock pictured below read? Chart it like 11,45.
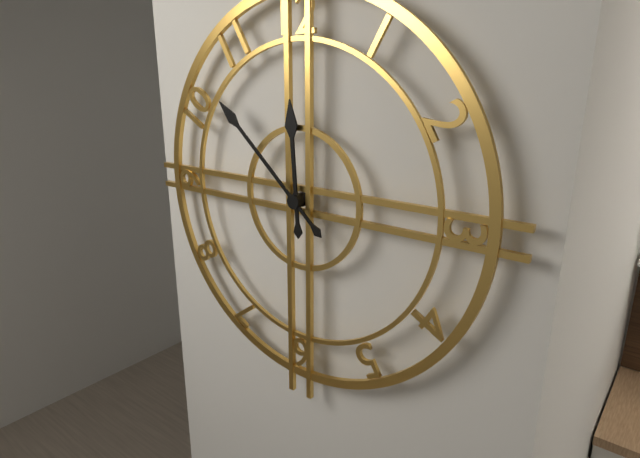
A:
11,52
